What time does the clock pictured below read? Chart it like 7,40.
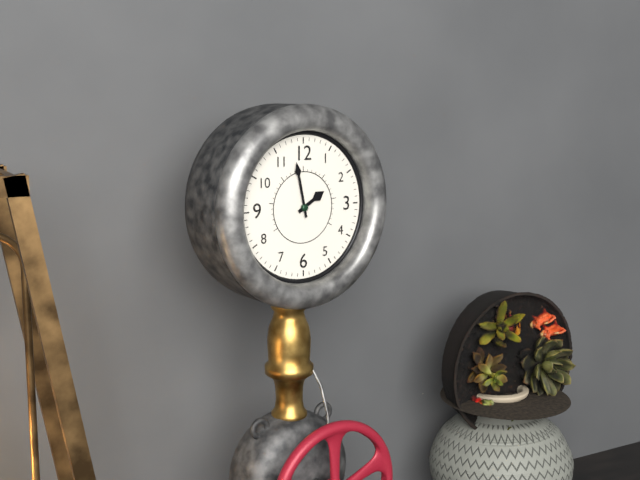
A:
1,58
